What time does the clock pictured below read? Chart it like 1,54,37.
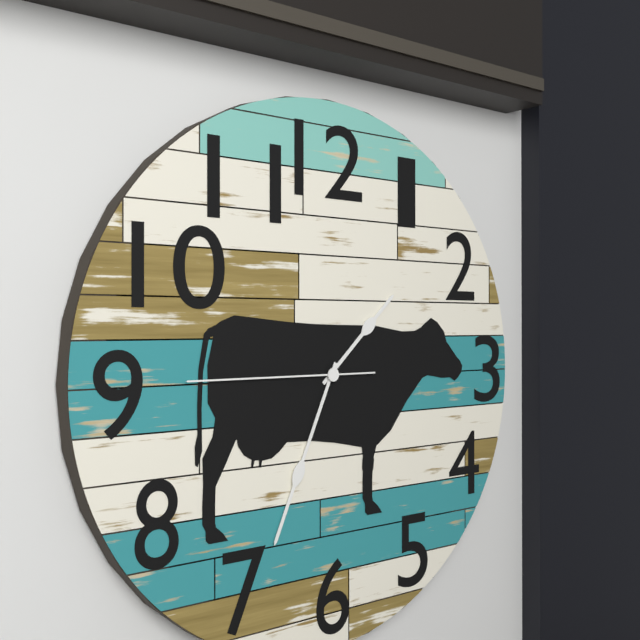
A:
1,34,45
